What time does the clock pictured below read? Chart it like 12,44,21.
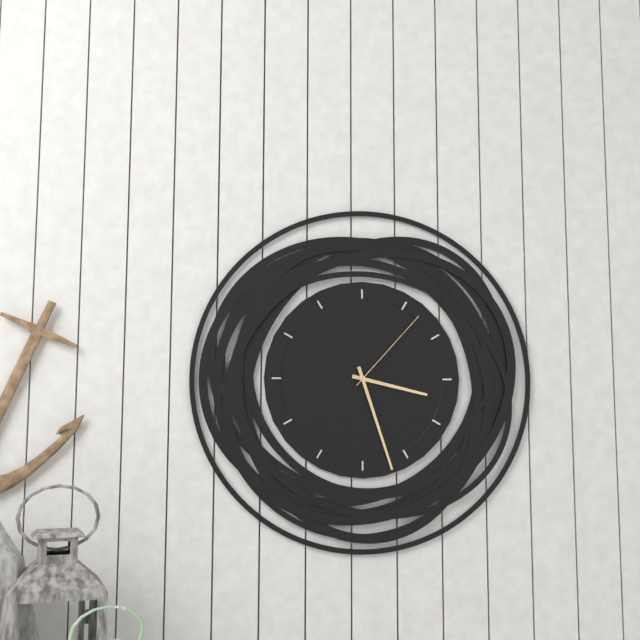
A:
3,27,07
